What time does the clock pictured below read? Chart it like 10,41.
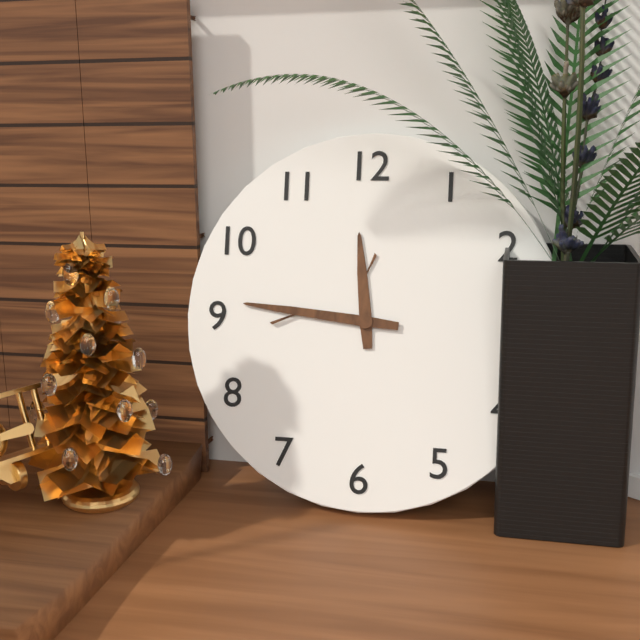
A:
11,46
